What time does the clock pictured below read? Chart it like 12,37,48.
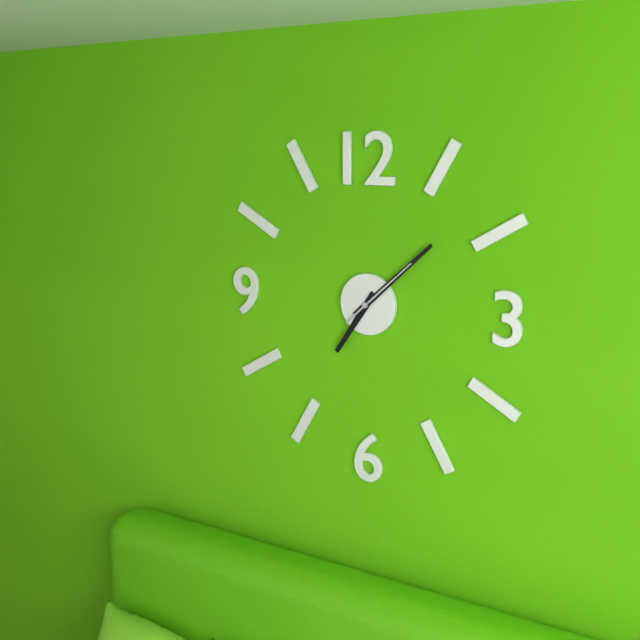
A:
7,08,08
